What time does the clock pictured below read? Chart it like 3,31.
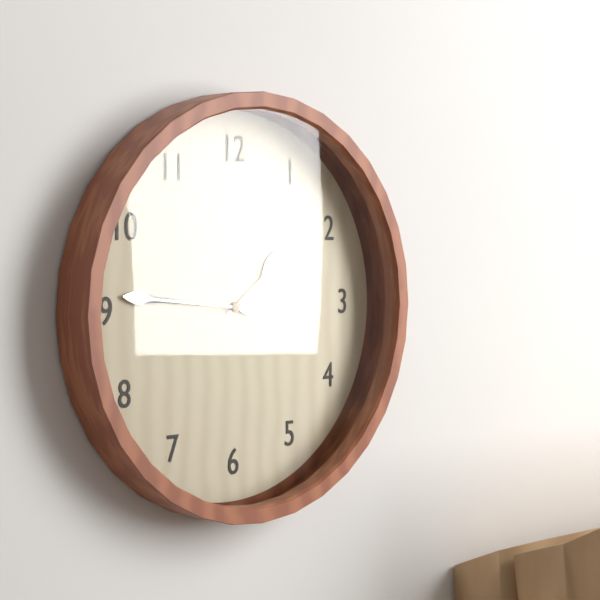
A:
1,46
